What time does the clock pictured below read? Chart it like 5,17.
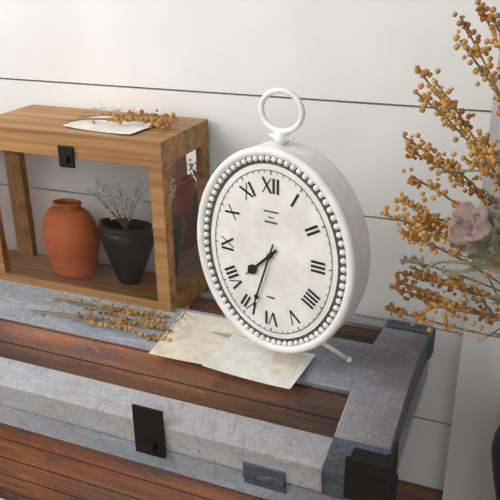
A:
7,33
